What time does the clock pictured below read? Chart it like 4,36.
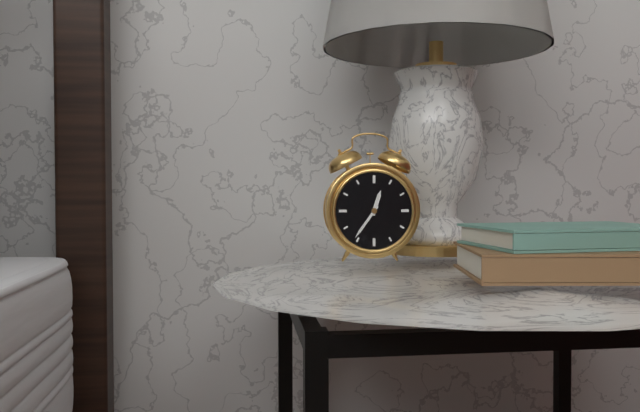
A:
12,36
